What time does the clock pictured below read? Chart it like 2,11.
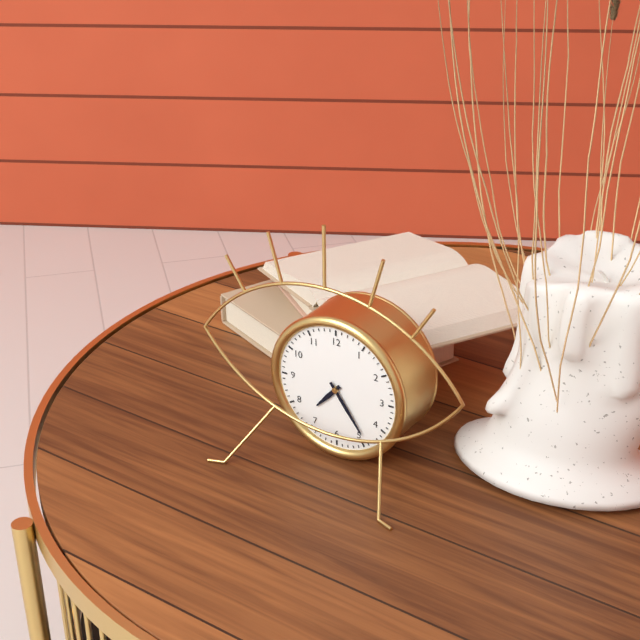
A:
7,24
